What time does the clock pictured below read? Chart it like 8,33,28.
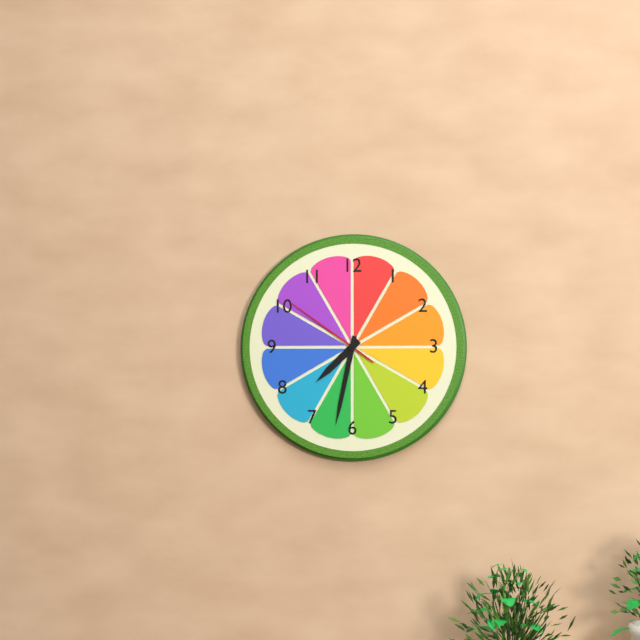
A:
7,32,51
